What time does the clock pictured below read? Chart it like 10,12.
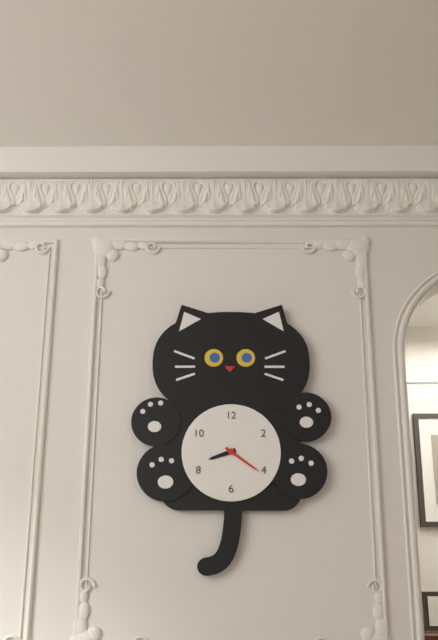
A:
8,21
